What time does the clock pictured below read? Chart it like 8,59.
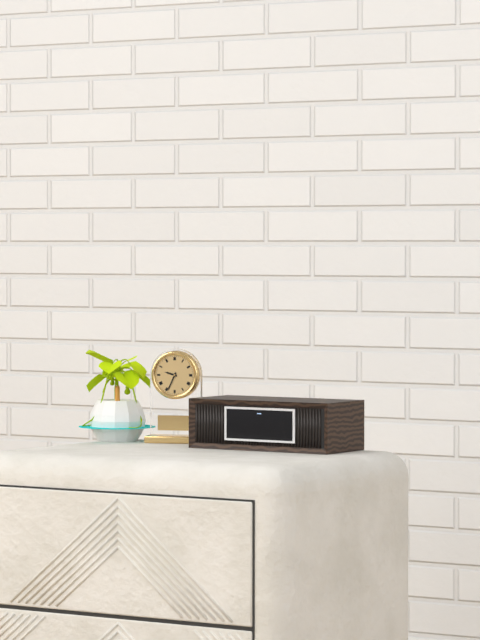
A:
9,34
